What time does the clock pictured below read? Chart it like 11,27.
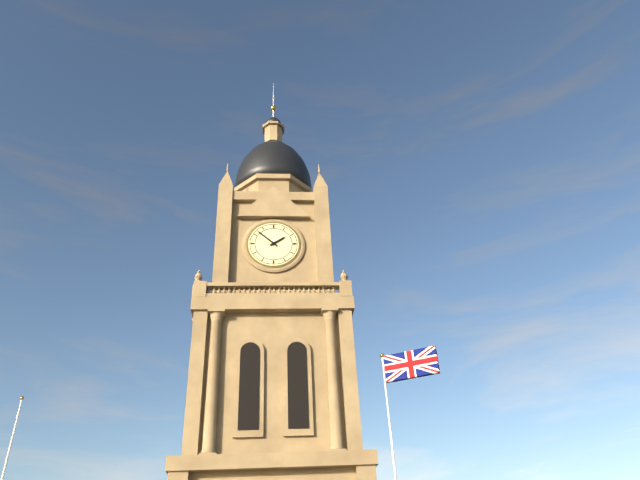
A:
1,52
